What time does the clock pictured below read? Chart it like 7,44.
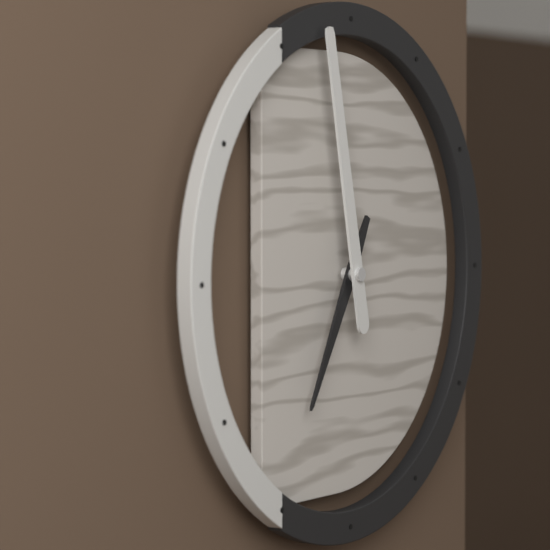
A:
6,58
